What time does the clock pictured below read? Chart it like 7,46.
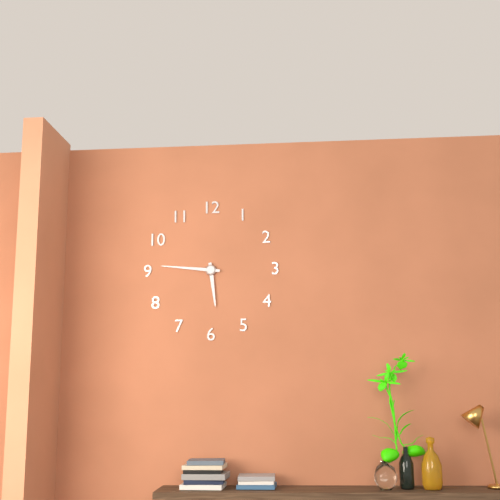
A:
5,46
